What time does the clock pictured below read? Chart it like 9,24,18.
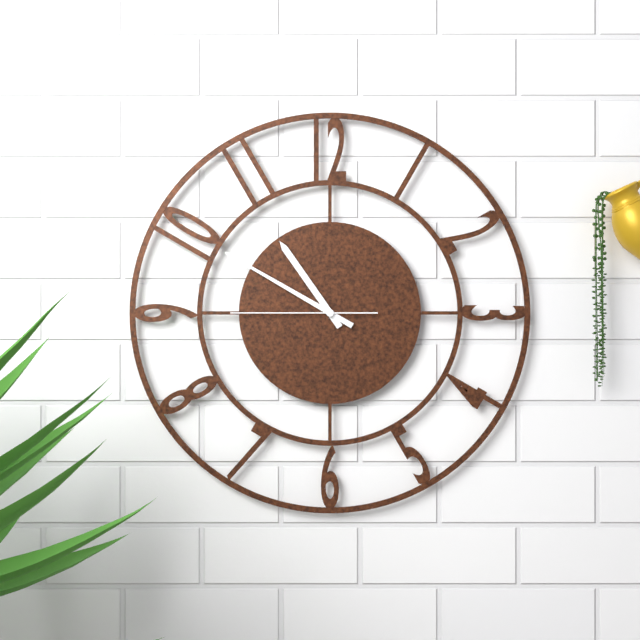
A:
10,50,45
